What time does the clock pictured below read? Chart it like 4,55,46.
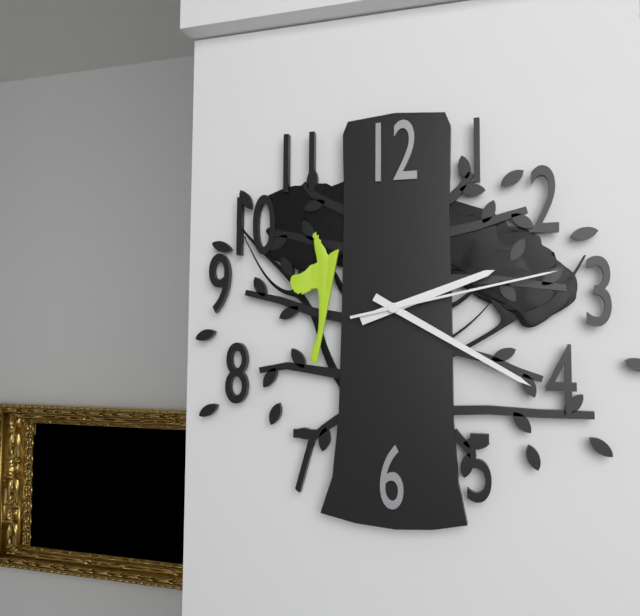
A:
2,20,13
